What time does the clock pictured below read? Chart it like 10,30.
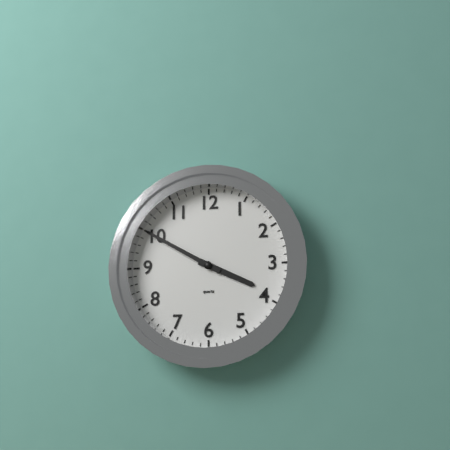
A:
3,50
